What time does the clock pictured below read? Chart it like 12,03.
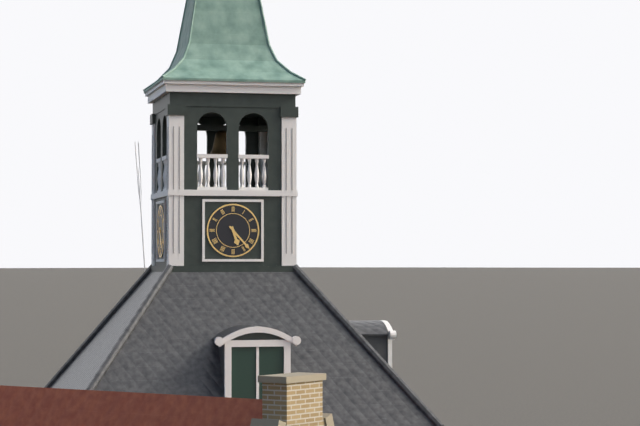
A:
5,23
